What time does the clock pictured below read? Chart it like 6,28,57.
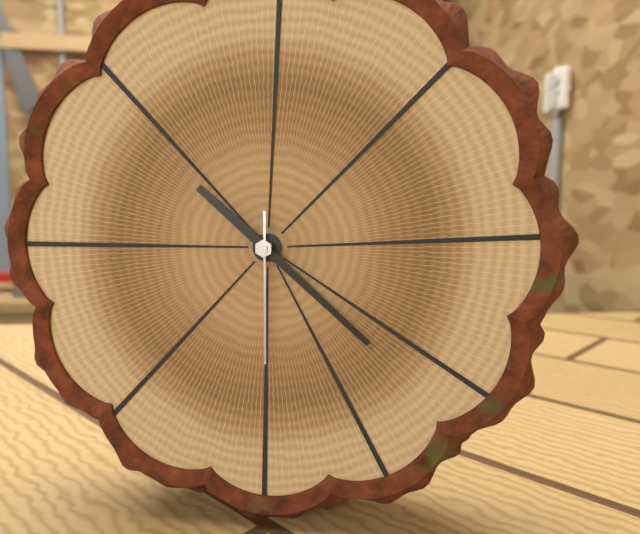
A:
10,22,30
